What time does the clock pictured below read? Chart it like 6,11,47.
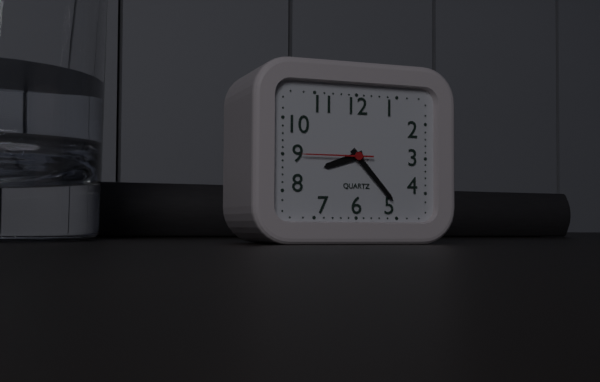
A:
8,23,45
